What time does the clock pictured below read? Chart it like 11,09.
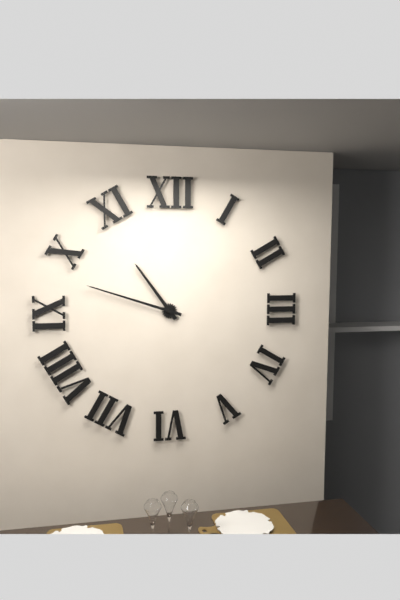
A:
10,48
